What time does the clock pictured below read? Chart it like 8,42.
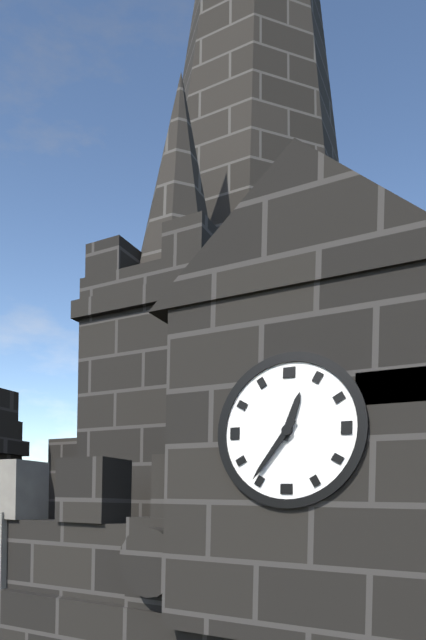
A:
12,36
